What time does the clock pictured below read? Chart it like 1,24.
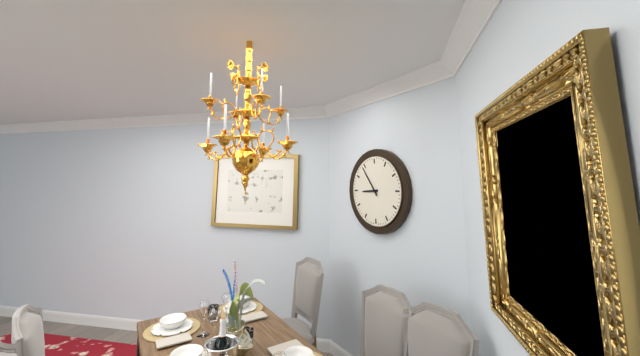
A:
8,54
